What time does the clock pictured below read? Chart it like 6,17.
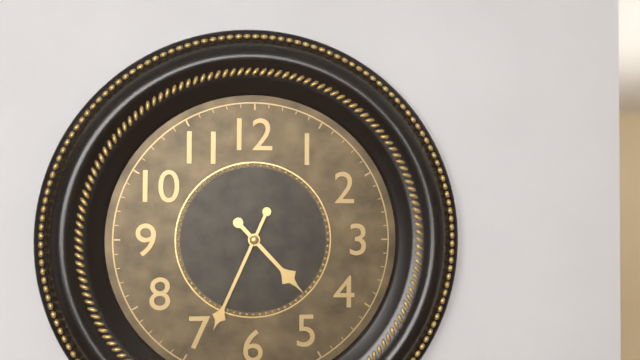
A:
4,34
